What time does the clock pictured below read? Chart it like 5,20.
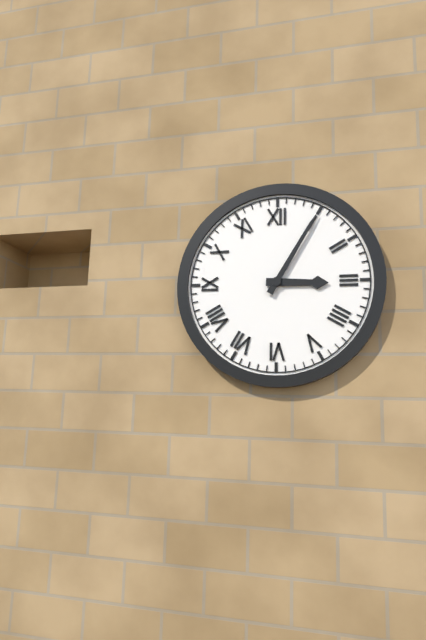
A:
3,05
